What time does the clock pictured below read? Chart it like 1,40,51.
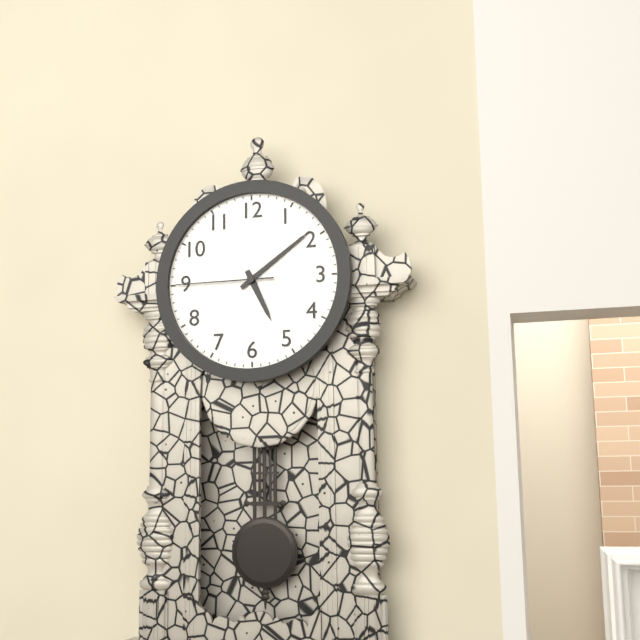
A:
5,09,45
